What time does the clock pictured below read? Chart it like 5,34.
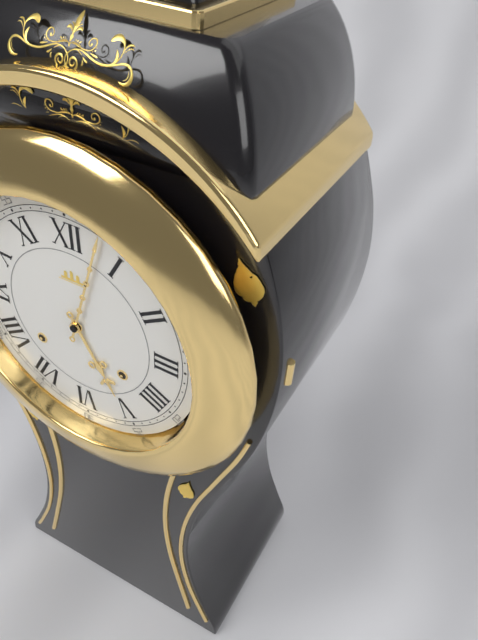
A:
5,03
